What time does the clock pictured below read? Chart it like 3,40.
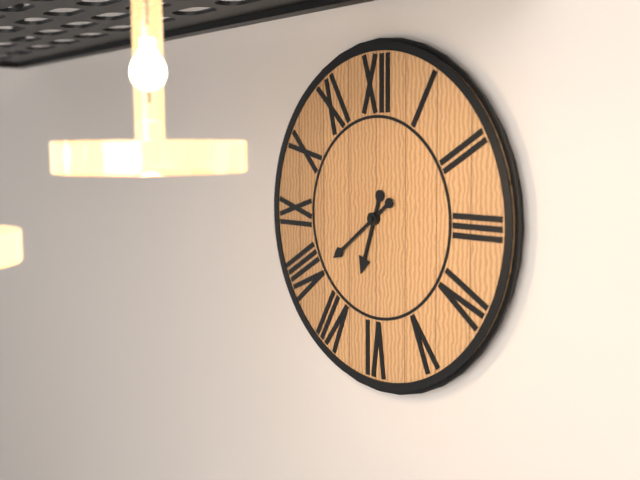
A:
6,39
